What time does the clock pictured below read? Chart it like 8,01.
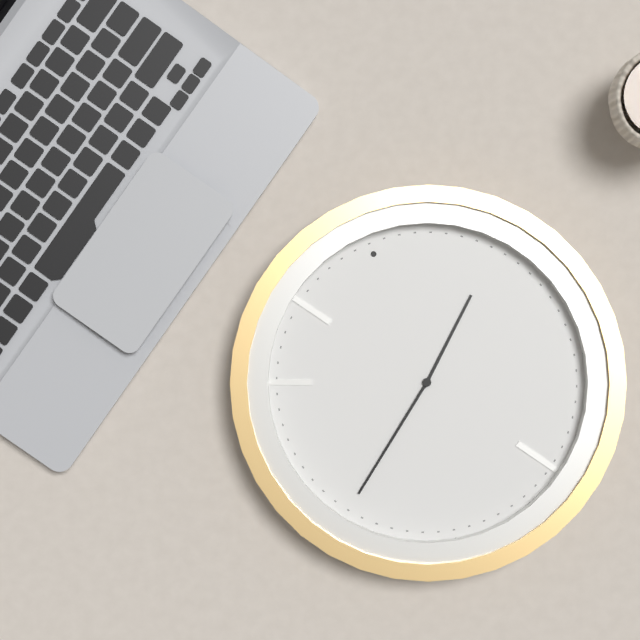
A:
1,39
